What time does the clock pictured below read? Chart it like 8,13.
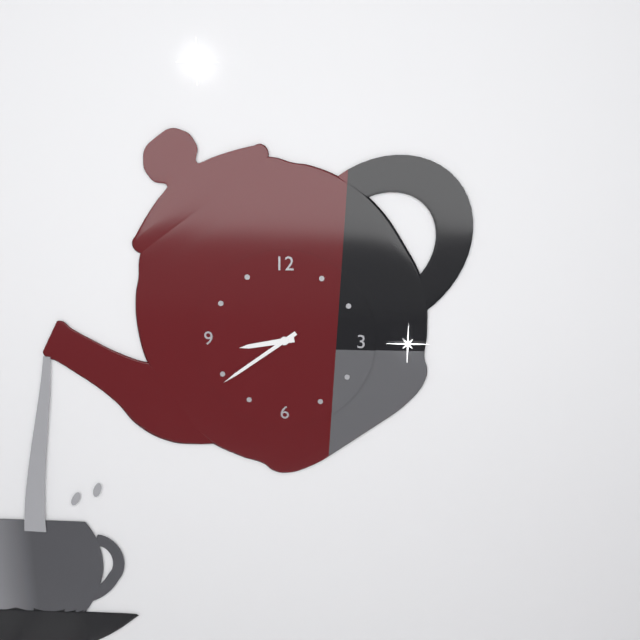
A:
8,39
